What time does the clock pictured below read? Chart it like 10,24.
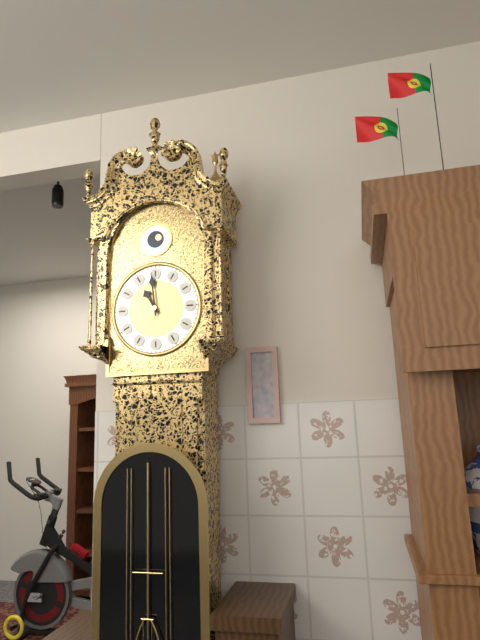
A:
10,59
